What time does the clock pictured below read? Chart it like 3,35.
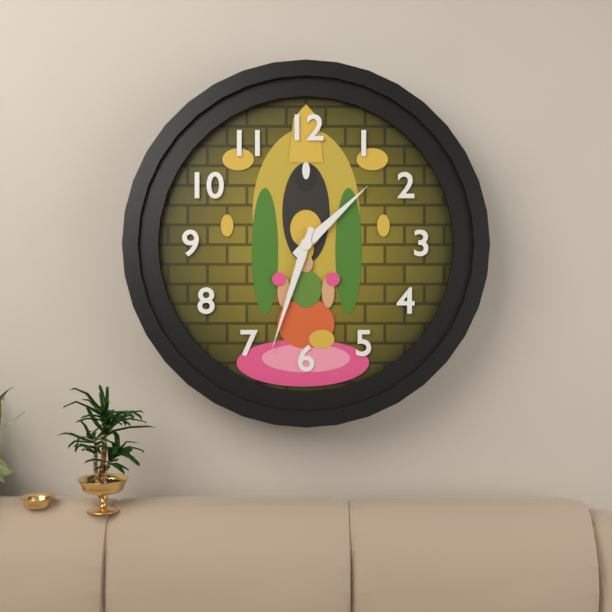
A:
1,33
